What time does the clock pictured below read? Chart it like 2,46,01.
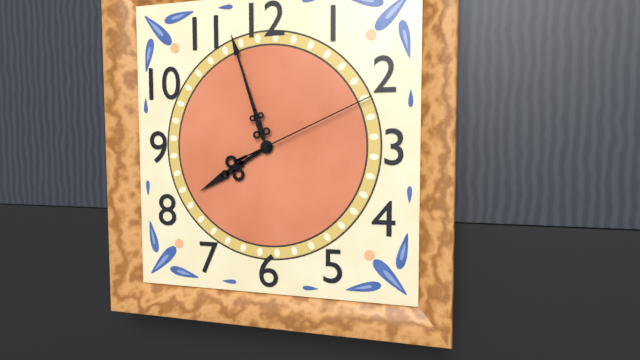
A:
7,57,11
